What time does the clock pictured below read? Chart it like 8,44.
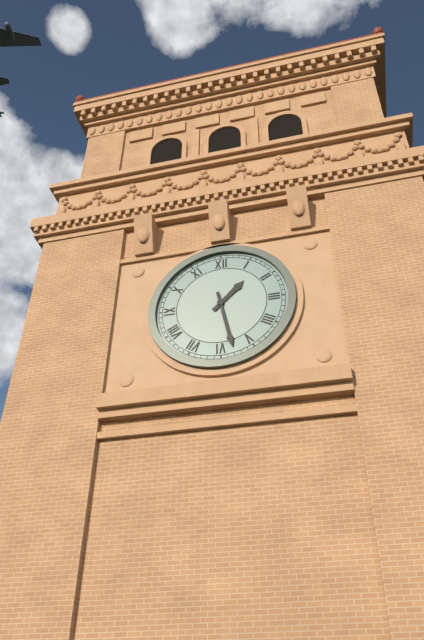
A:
1,28
